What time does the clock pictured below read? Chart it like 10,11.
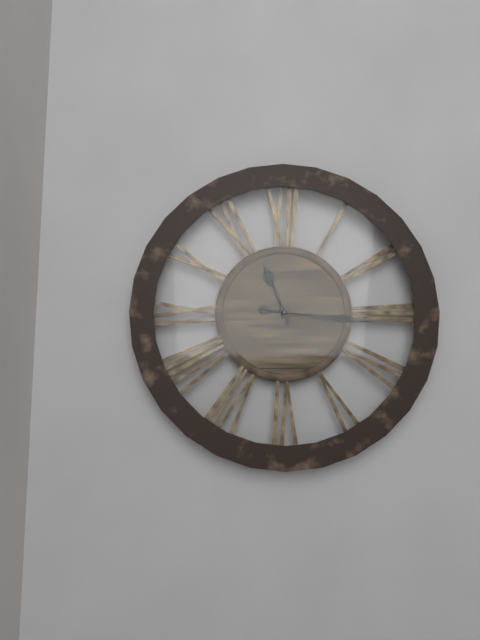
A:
11,16
